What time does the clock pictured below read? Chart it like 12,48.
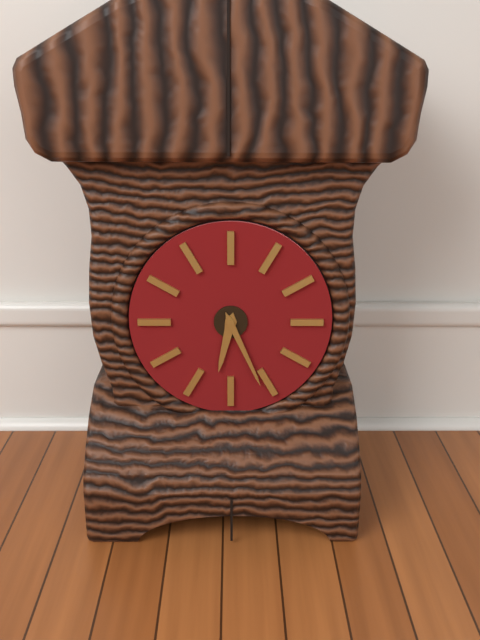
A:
6,26
